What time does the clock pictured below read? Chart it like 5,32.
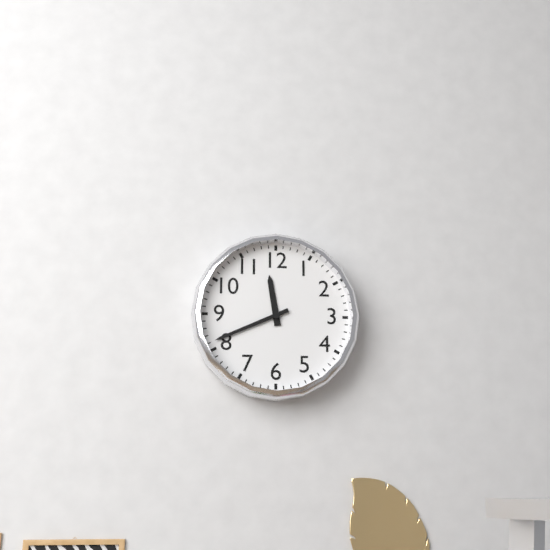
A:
11,41
